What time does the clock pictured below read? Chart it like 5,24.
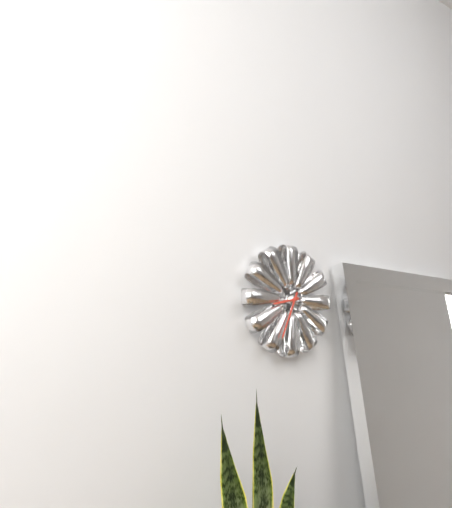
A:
8,34
